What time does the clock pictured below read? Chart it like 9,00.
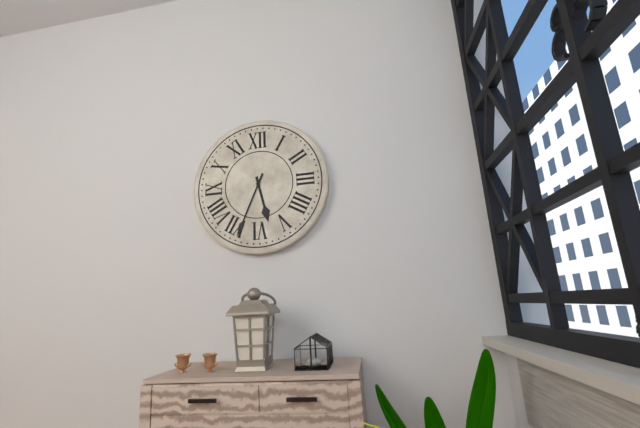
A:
5,34
